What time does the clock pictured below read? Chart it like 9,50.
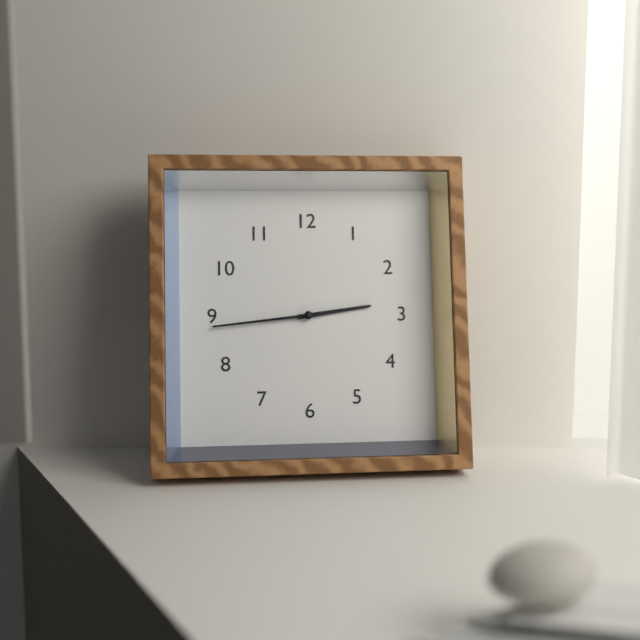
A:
2,44
